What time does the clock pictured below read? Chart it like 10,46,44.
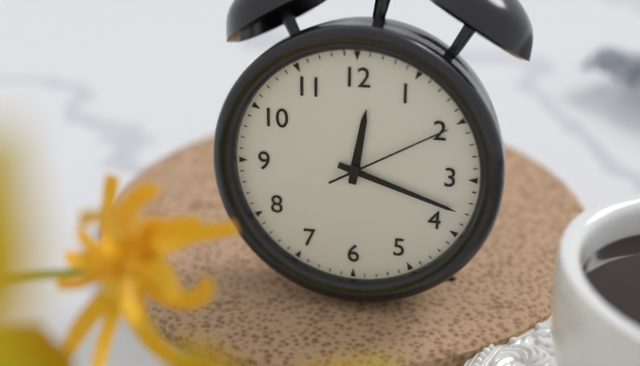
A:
12,18,10
